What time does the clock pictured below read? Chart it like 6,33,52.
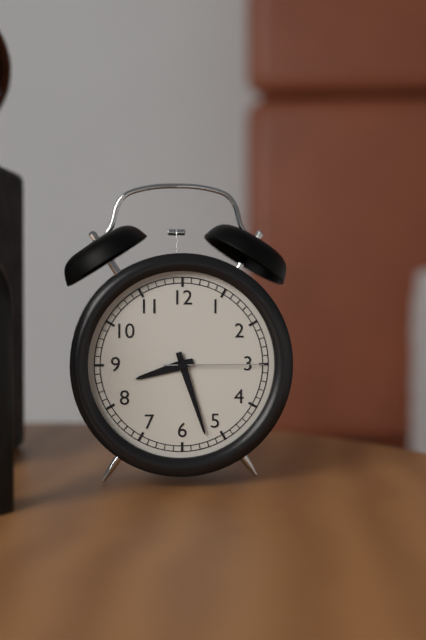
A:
8,27,15
